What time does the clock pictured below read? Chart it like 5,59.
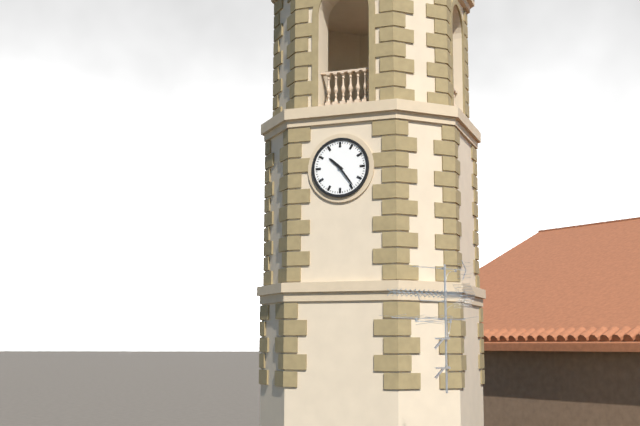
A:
10,24
